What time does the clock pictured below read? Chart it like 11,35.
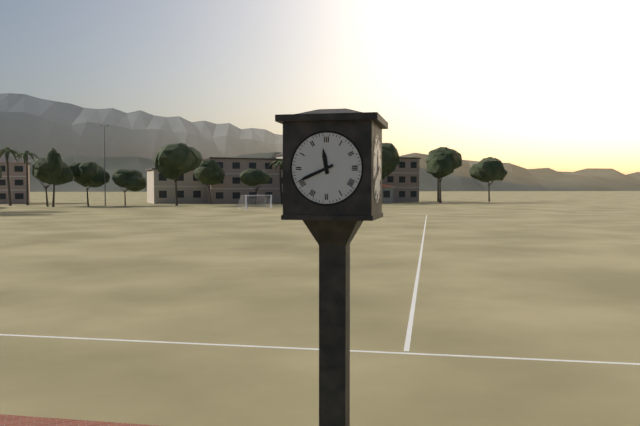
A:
11,41
